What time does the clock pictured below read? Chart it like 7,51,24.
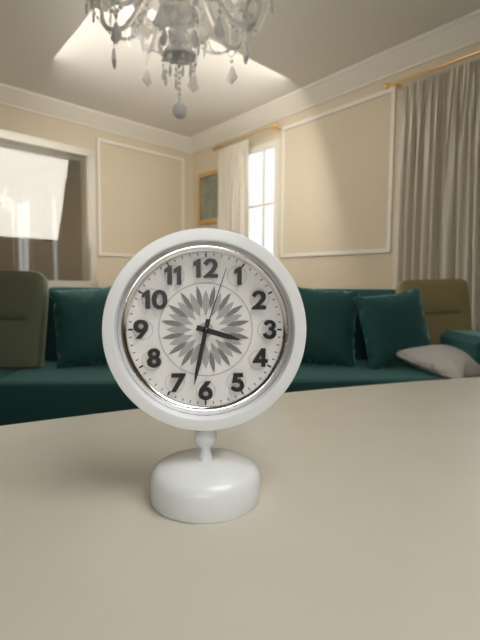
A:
3,32,03
